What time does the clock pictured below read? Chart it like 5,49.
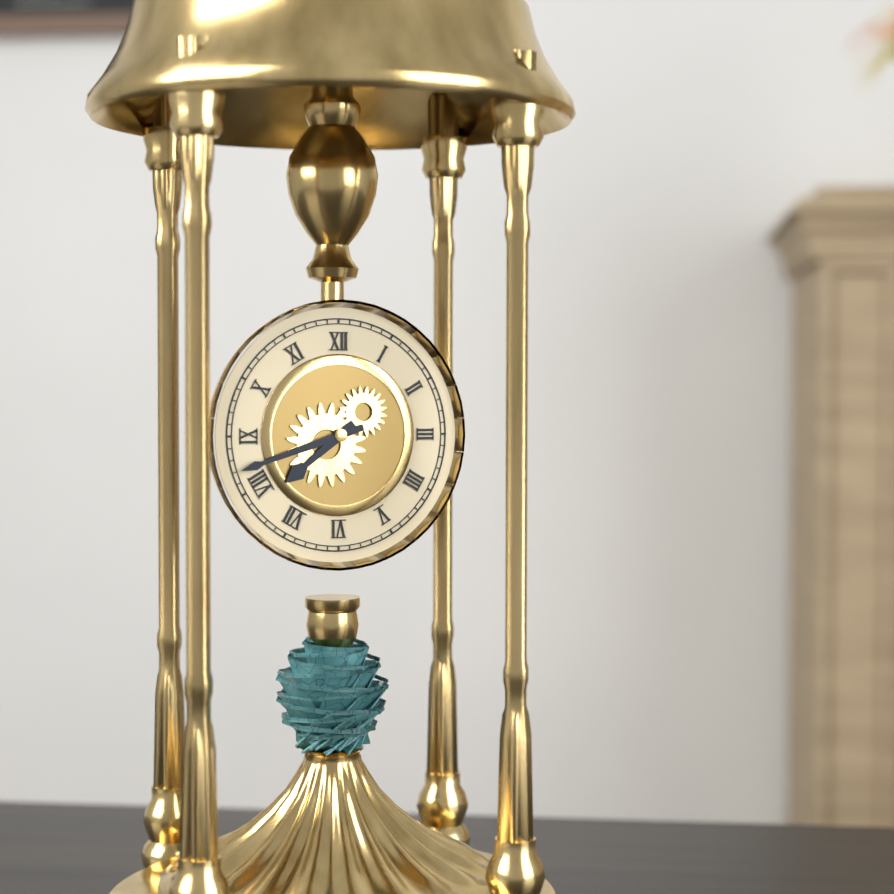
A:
7,42
